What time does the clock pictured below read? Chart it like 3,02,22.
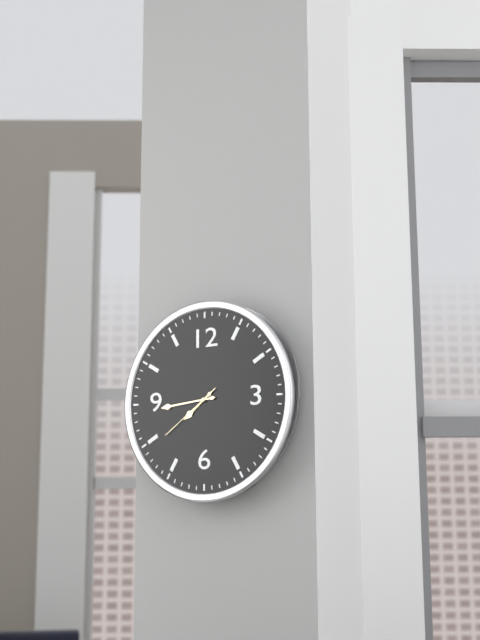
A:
7,44,39
